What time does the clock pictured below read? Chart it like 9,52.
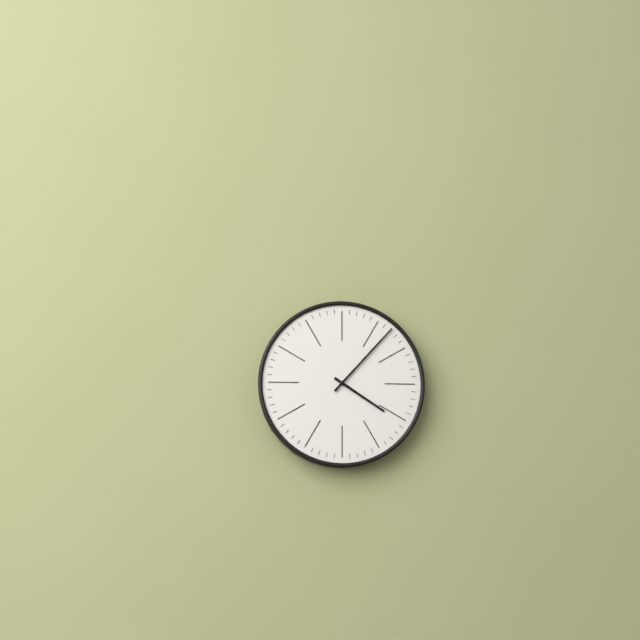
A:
4,07
